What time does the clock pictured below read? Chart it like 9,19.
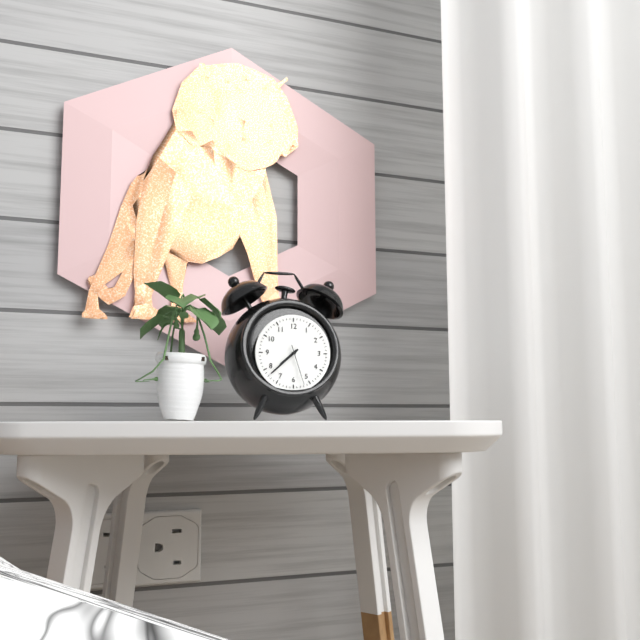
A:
7,38
